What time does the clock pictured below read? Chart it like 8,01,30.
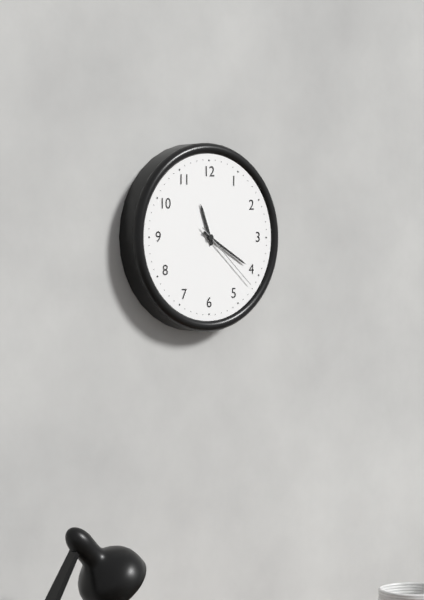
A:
11,20,22
